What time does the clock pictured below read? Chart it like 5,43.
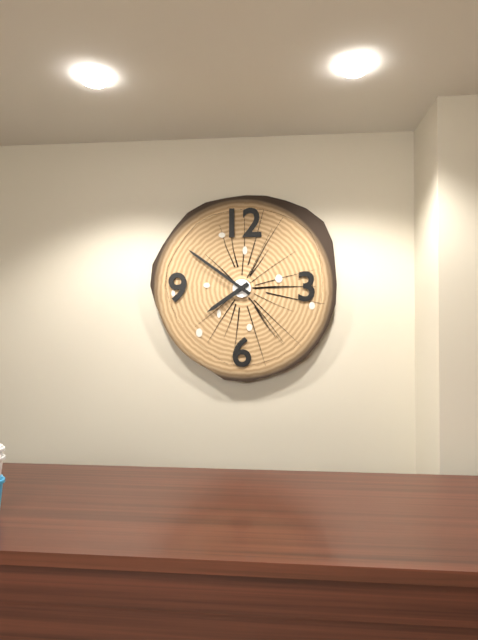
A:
7,51
